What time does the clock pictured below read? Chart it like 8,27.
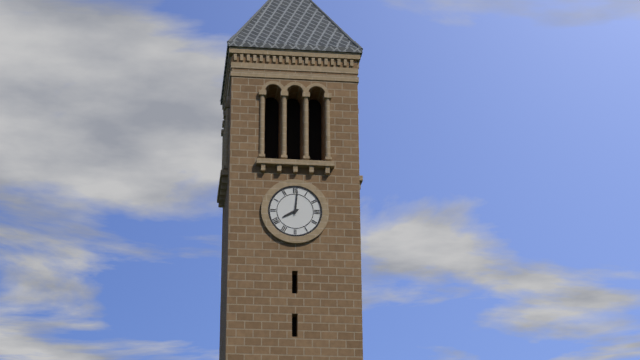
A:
8,01
